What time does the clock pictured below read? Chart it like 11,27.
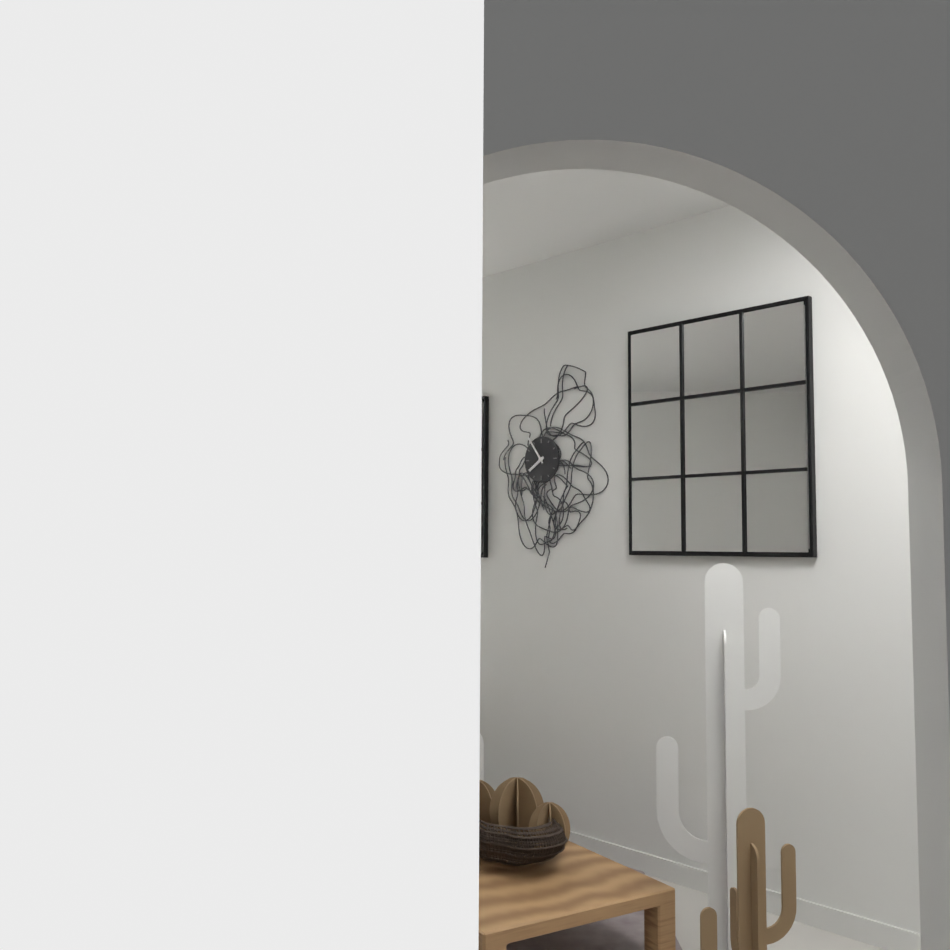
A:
7,54
